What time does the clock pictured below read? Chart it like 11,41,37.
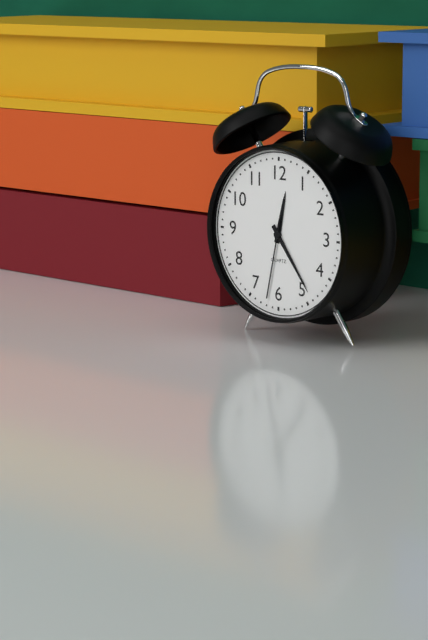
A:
12,24,32
